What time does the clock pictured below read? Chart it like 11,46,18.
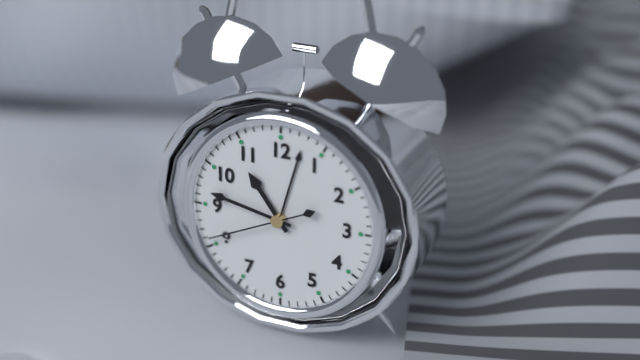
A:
10,47,41
